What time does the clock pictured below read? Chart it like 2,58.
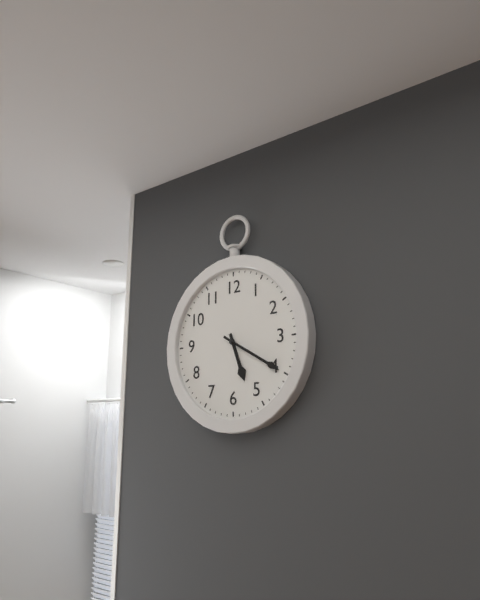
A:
5,20
